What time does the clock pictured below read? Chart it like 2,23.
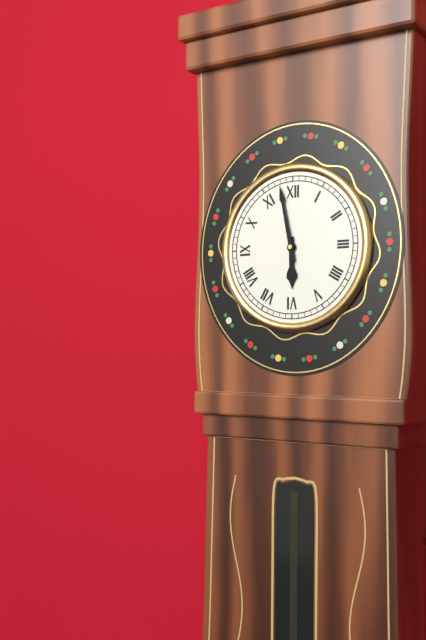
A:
5,58
